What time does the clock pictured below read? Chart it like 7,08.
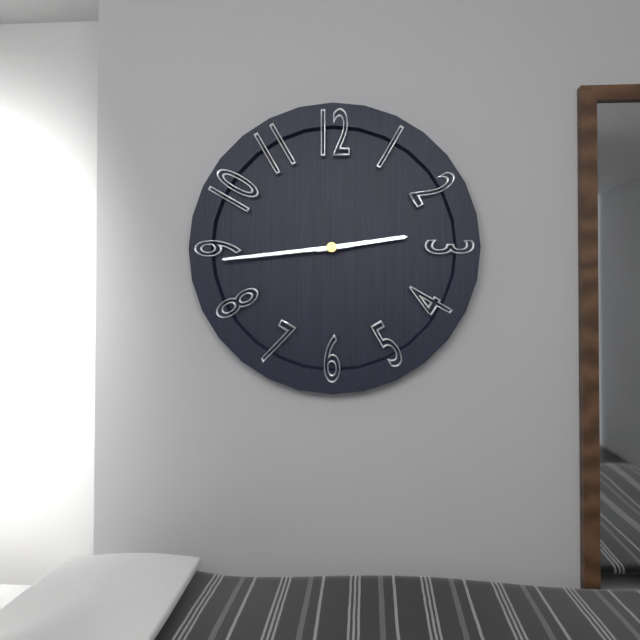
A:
2,44
